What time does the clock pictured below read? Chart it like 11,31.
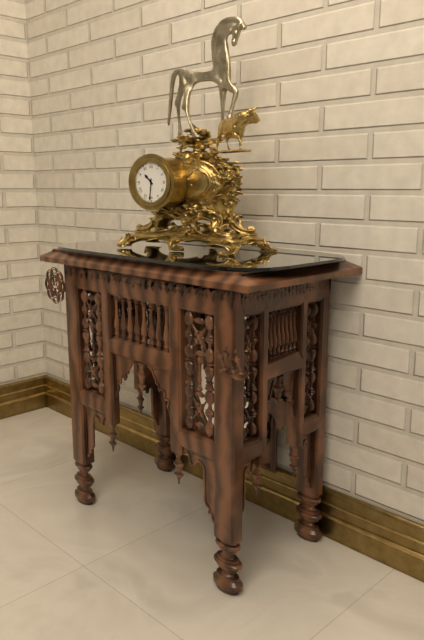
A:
10,31
